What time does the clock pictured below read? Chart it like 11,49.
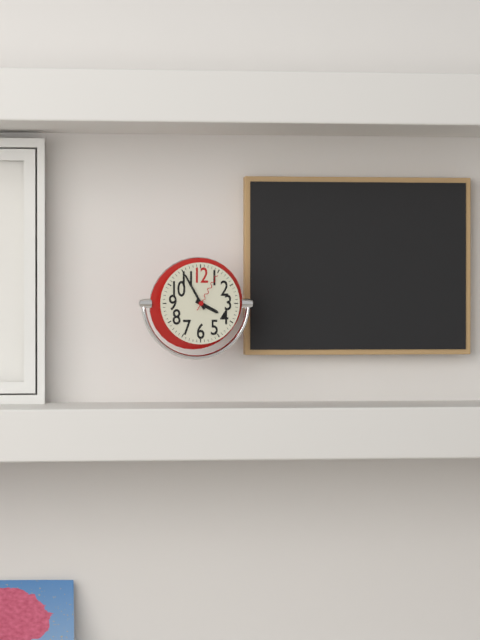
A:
3,55
